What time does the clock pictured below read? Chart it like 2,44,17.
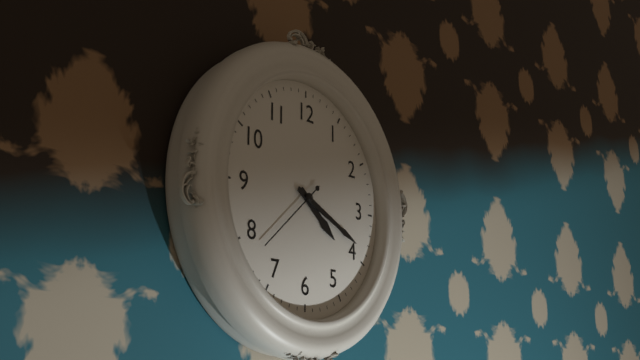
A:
4,19,38
